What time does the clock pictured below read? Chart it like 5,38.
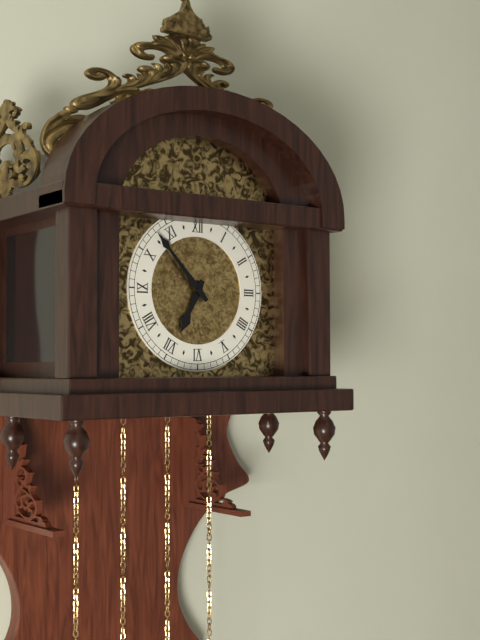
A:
6,53
